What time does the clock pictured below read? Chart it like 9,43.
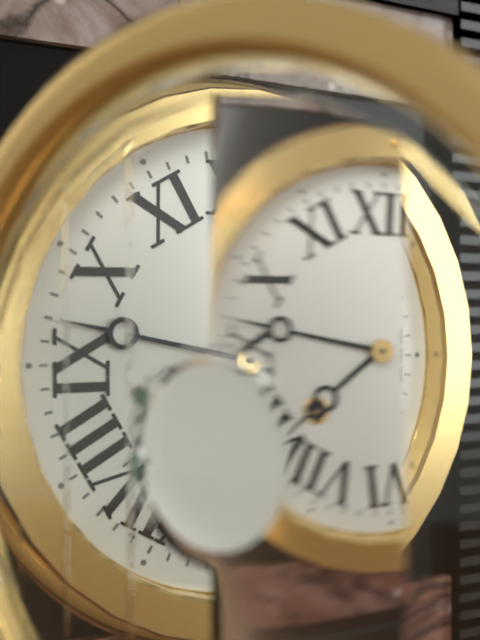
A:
7,47
